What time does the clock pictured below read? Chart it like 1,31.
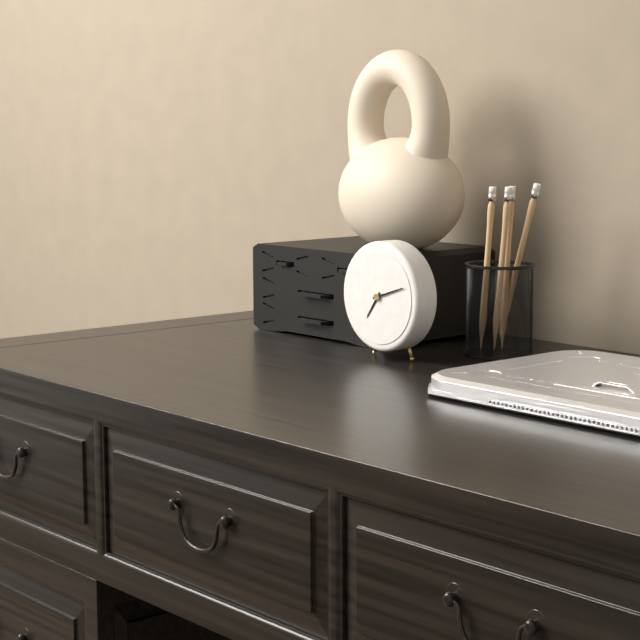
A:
7,12
